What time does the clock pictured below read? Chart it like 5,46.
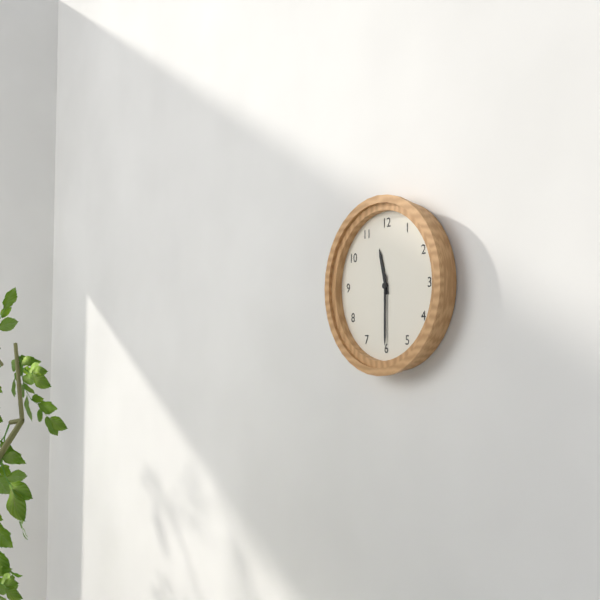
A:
11,30
